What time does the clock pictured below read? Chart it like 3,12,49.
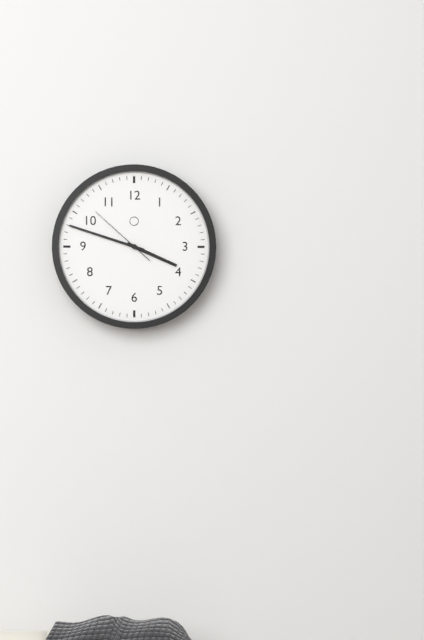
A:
3,48,52
